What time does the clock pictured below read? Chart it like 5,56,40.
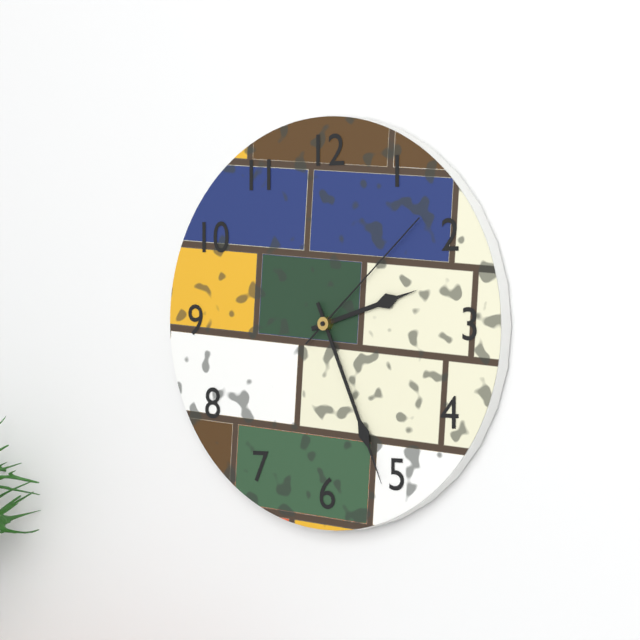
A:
2,26,08
